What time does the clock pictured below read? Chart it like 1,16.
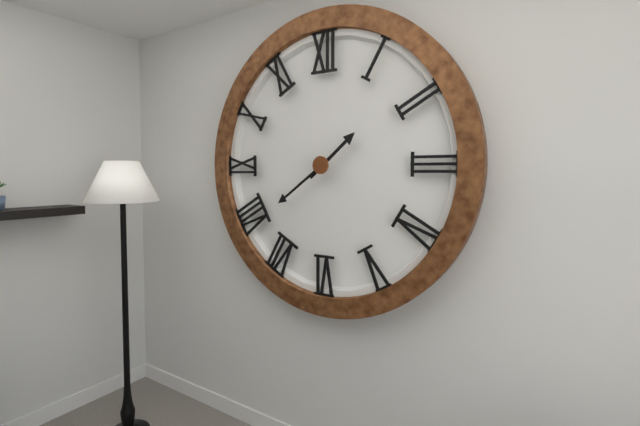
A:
1,39
